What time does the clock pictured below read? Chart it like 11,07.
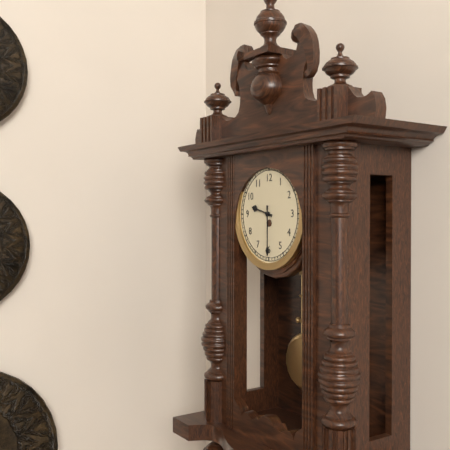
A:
9,30
